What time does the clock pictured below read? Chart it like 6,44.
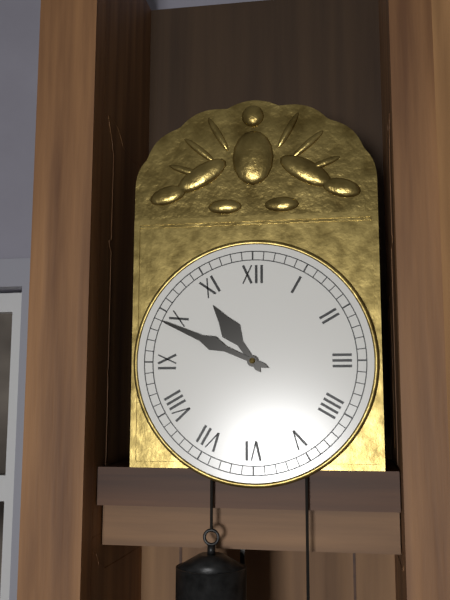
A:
10,49
